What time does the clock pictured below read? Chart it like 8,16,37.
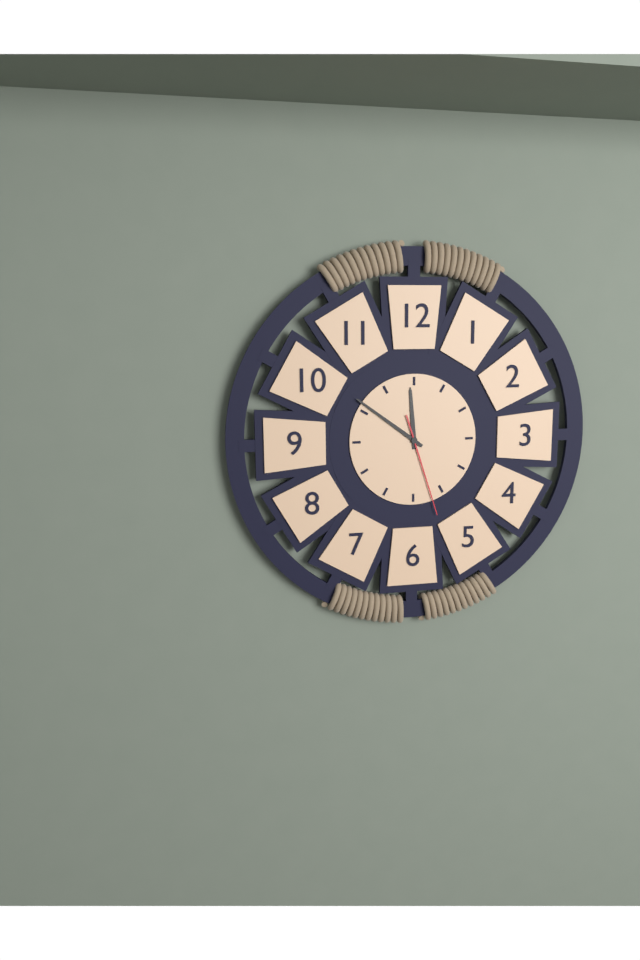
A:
11,51,27
